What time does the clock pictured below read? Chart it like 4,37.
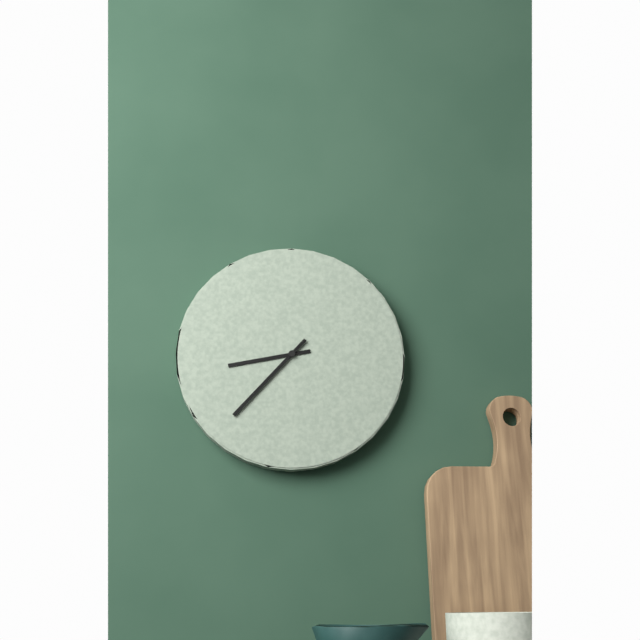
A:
8,37
